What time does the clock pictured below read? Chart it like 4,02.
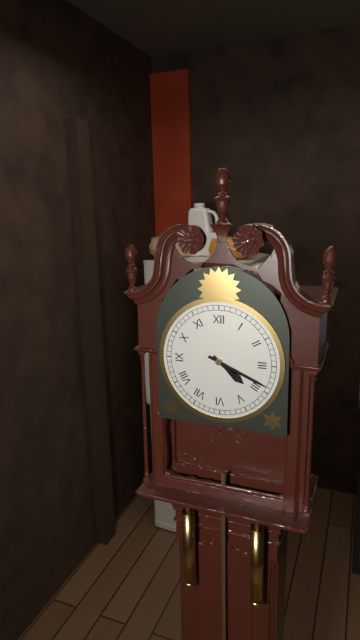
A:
4,19
